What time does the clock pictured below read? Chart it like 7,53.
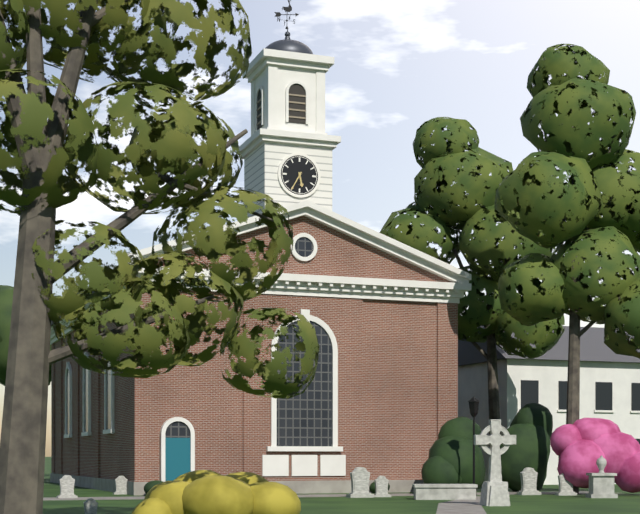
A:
5,35
